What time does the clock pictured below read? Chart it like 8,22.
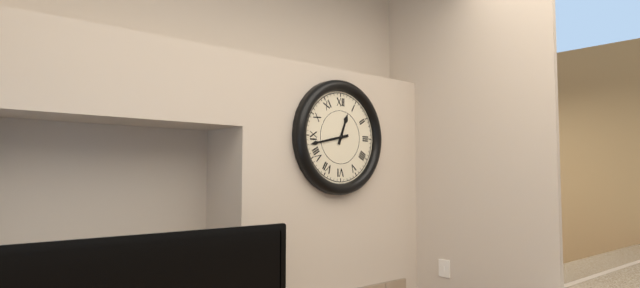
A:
12,43
